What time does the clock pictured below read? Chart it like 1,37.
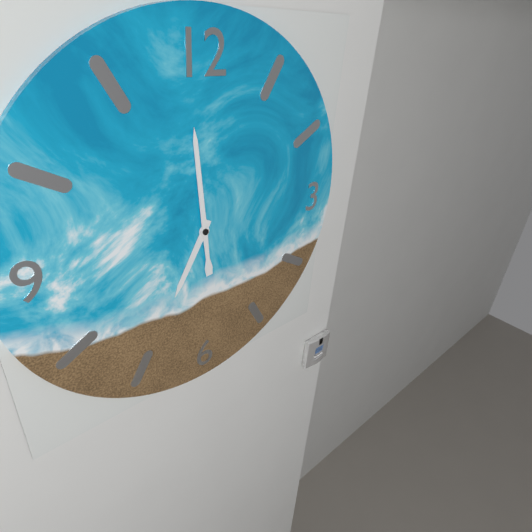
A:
6,59
